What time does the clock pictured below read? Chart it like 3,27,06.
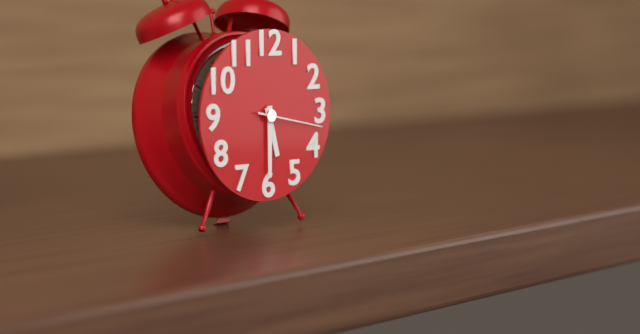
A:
5,30,17
